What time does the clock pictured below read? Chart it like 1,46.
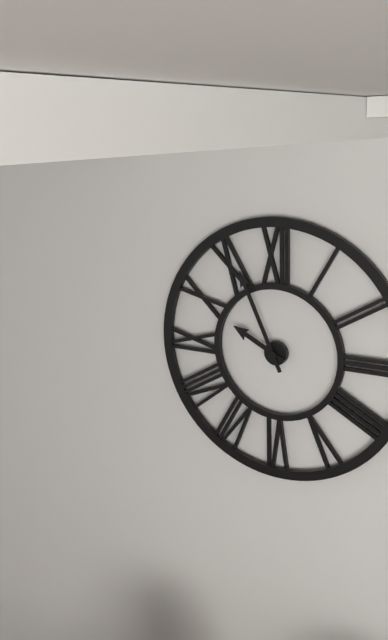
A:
9,56
